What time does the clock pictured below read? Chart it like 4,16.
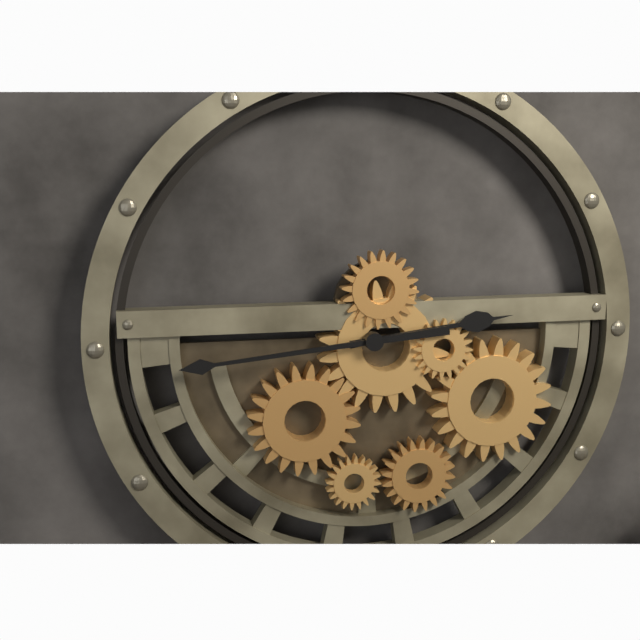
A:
2,44
